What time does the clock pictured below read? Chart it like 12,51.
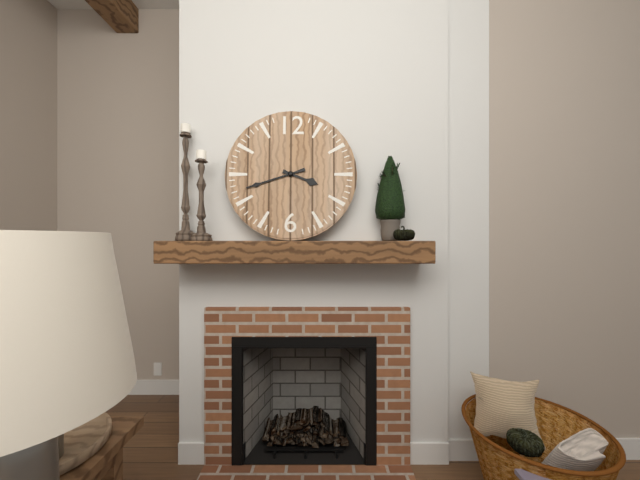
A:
3,42
